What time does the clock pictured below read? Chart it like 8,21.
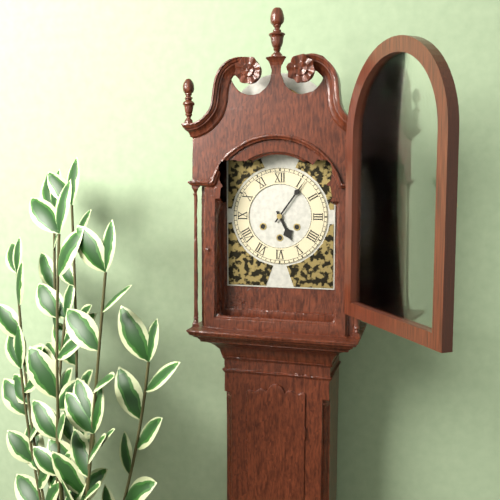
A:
5,06
